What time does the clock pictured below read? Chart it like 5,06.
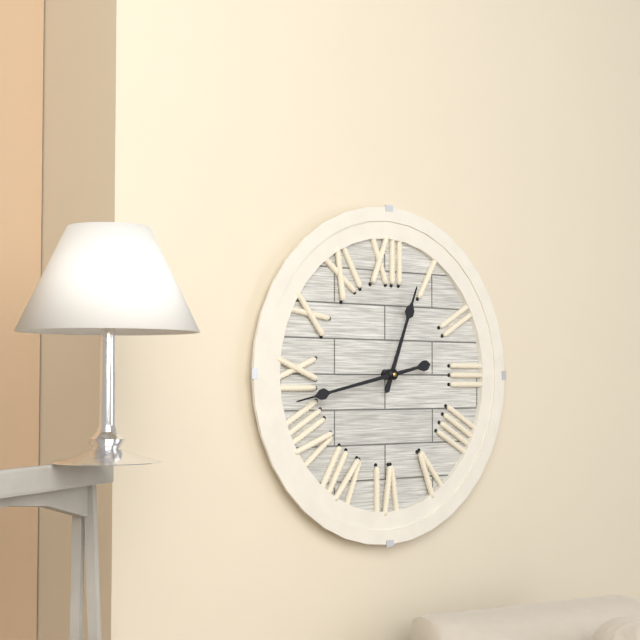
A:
12,43
